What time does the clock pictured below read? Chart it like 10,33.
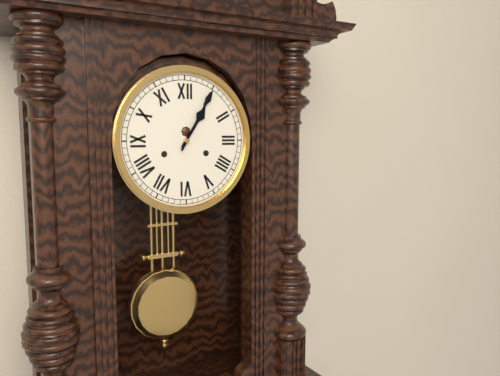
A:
1,05
